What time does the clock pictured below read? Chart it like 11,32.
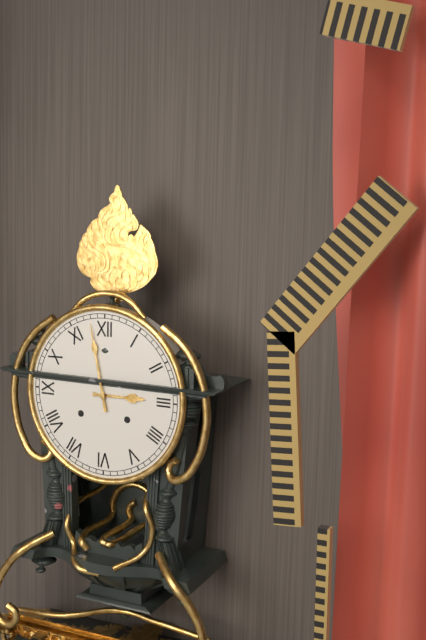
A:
2,58
